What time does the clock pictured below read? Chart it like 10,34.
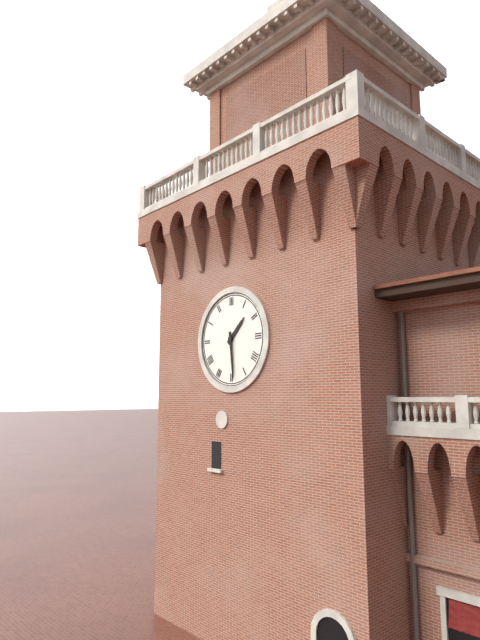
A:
1,29
